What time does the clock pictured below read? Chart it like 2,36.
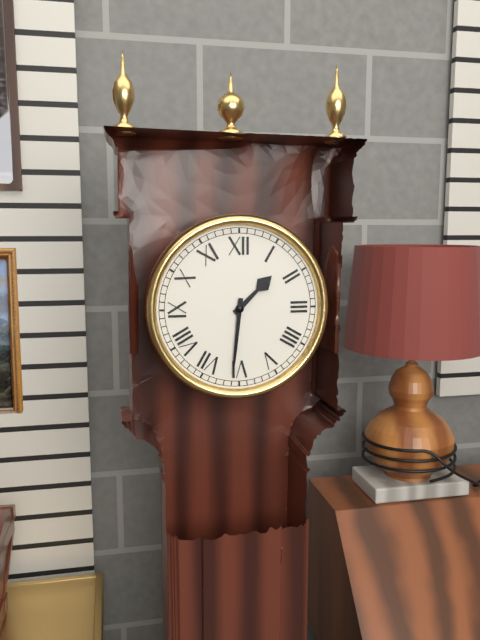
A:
1,31
